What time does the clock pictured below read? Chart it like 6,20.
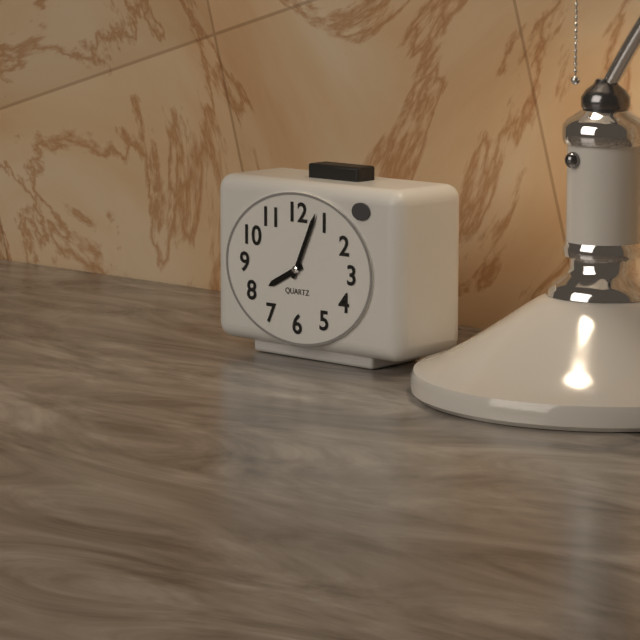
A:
8,04
